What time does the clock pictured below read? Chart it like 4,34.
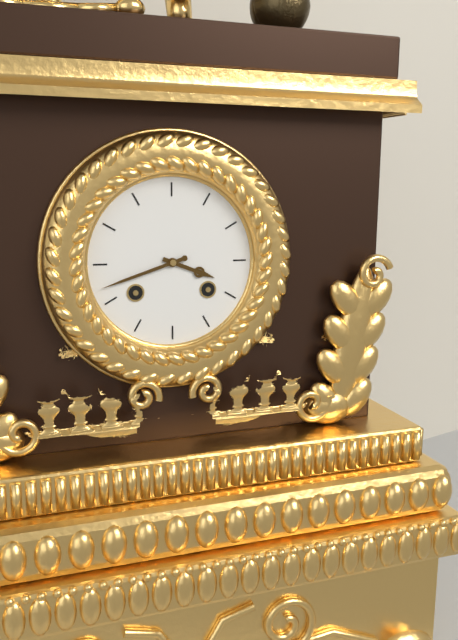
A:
3,42
